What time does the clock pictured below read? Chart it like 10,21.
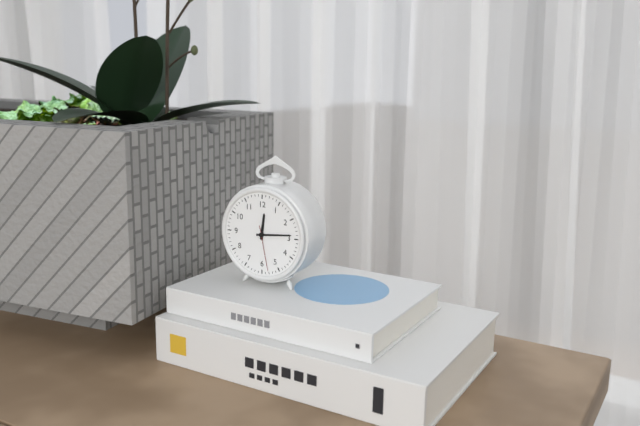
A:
12,14
